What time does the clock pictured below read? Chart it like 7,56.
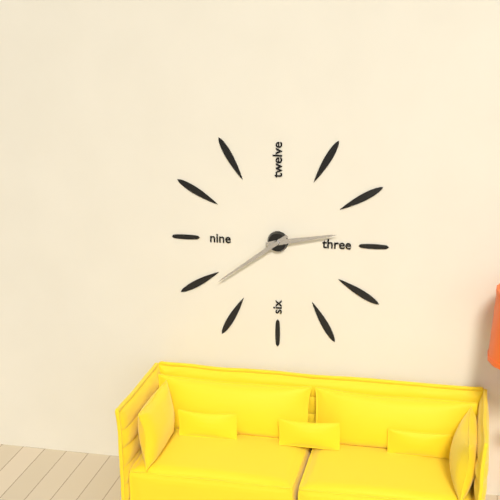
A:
2,39
